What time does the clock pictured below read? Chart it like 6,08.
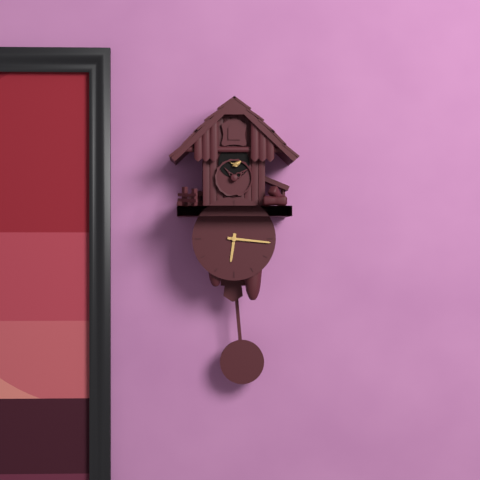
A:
6,16
